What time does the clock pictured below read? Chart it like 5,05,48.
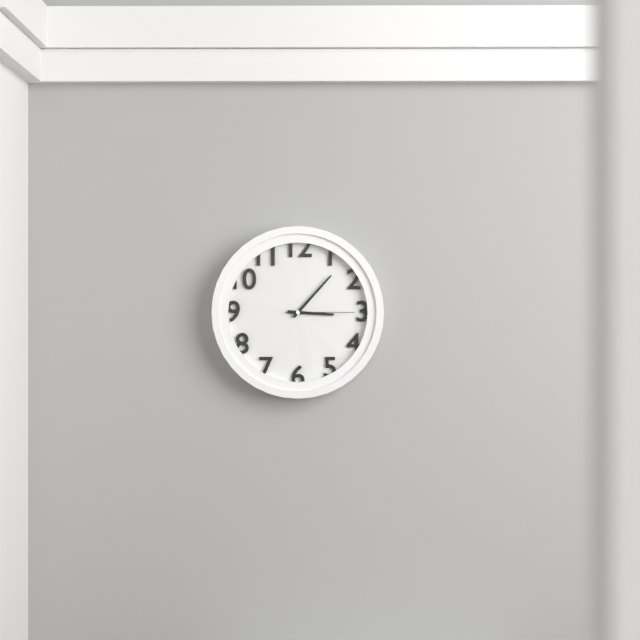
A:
3,07,15
